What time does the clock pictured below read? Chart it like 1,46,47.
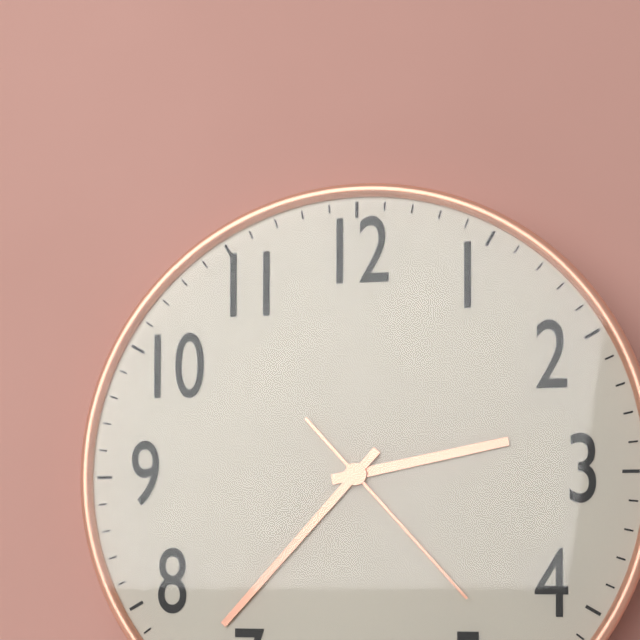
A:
2,37,23
